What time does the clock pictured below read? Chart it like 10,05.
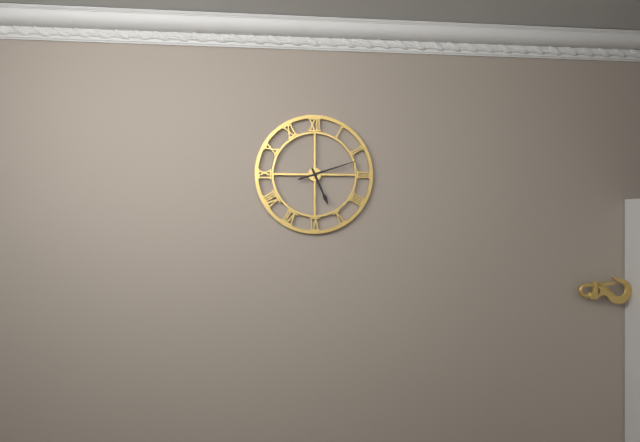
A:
5,12
